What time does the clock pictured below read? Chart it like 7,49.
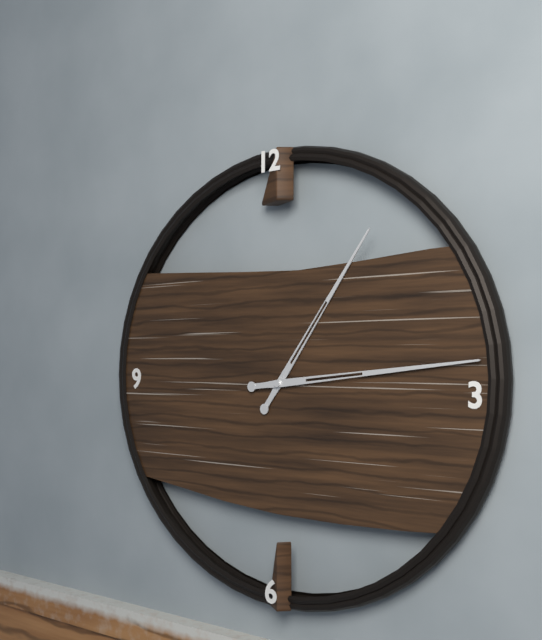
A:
1,14
